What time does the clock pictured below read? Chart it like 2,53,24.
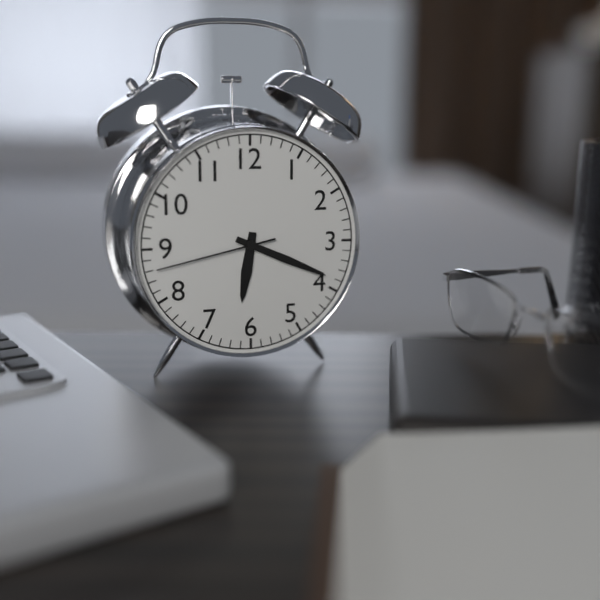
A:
6,19,43
